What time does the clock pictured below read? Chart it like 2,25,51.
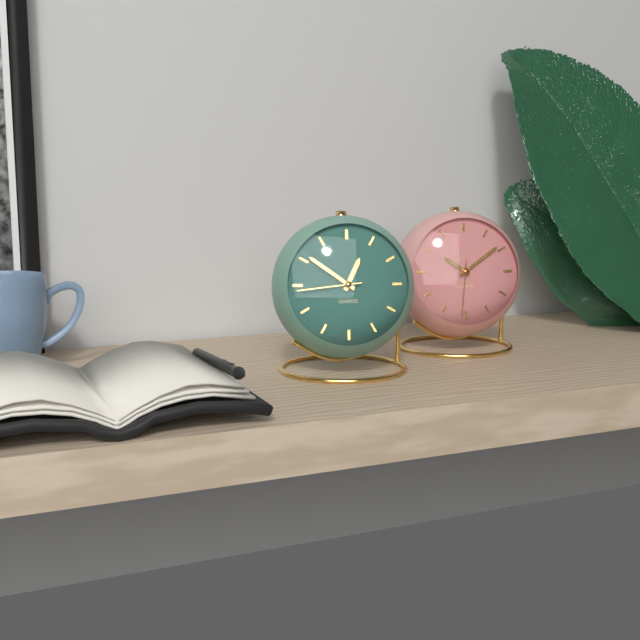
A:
12,51,44
